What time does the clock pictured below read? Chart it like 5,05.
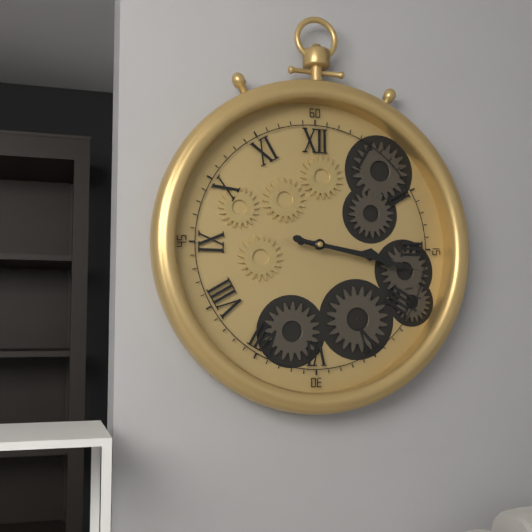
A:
3,17
